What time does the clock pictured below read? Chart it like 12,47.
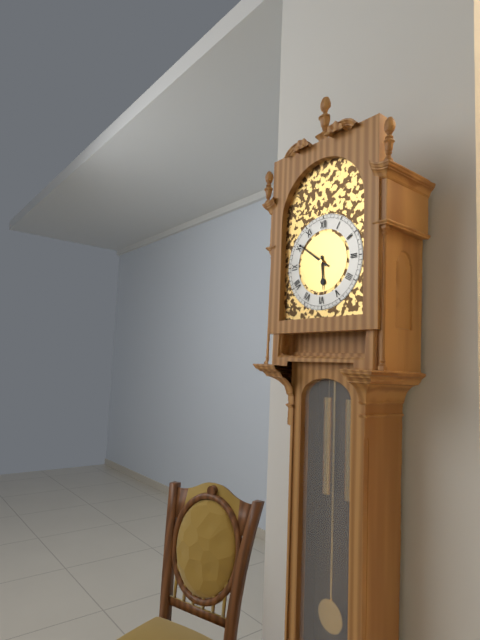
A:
5,51
